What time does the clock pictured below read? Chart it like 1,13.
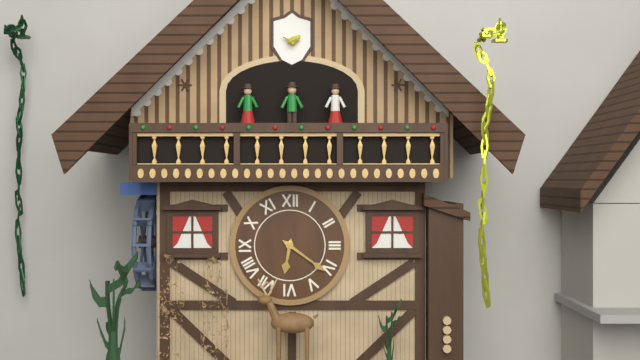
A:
6,21
